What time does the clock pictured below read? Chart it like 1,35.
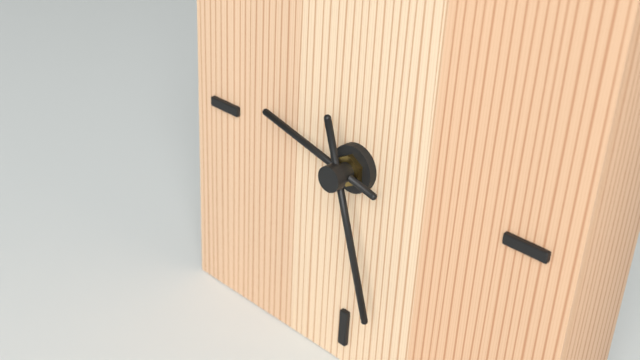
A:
9,27
